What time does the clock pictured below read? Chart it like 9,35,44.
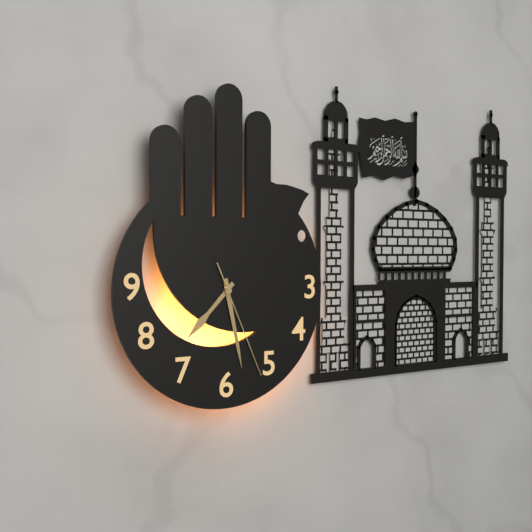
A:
7,28,26
